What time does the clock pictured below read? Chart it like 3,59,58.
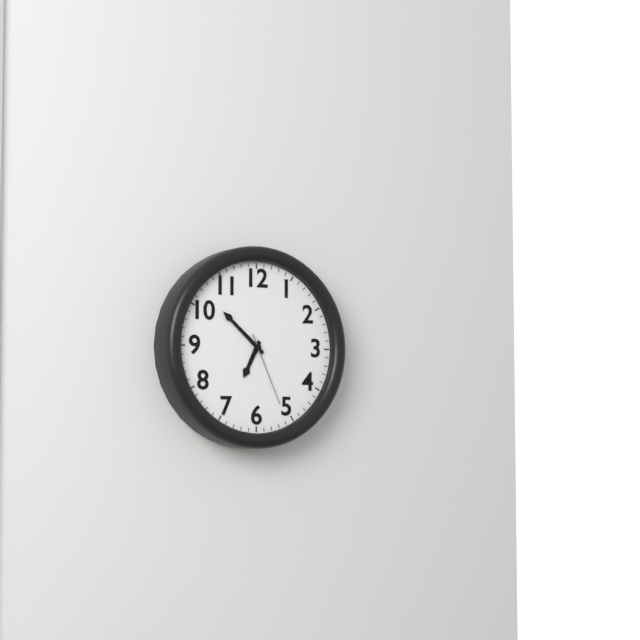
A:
6,52,26
